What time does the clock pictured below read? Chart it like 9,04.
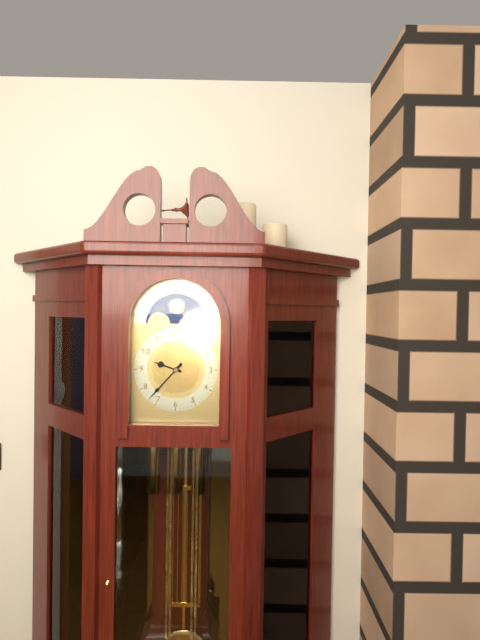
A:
9,37
